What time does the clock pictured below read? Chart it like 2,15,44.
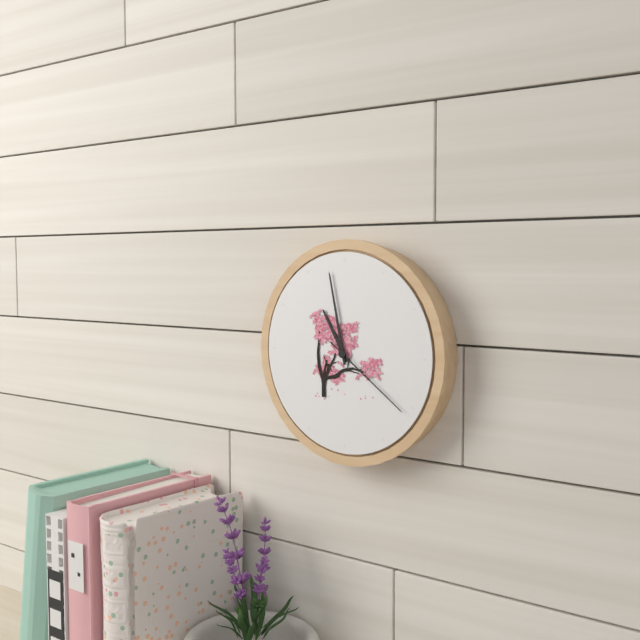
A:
10,58,21
